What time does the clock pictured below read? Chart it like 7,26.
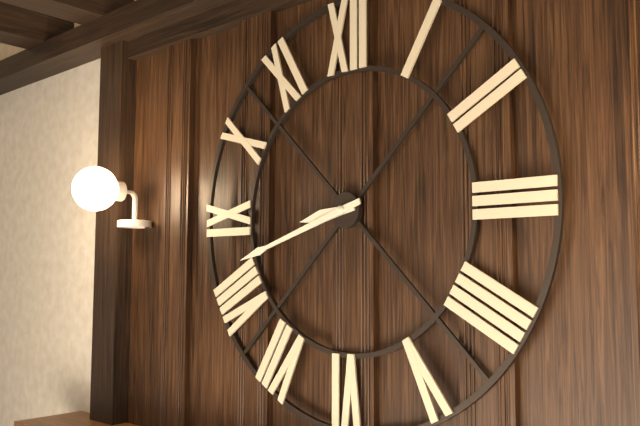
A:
8,42
